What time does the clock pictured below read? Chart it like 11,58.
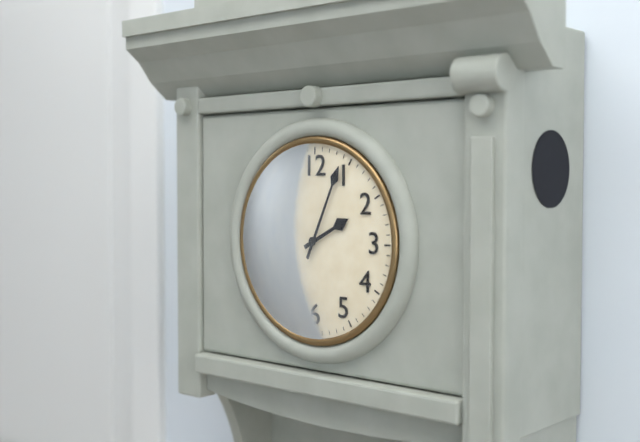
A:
2,04
